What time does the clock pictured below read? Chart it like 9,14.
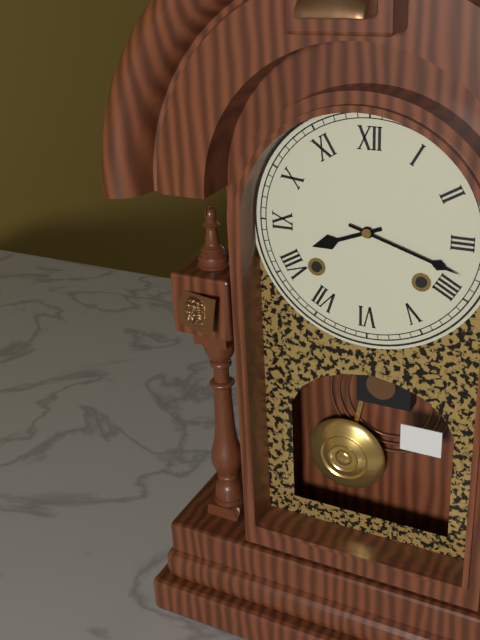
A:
8,18
